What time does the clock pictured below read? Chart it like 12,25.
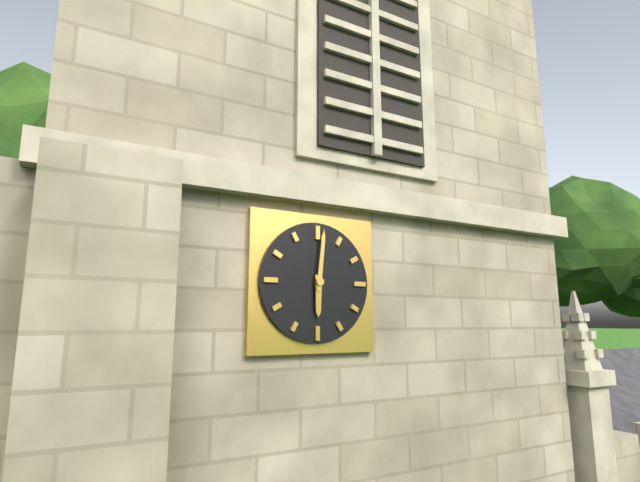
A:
6,01
